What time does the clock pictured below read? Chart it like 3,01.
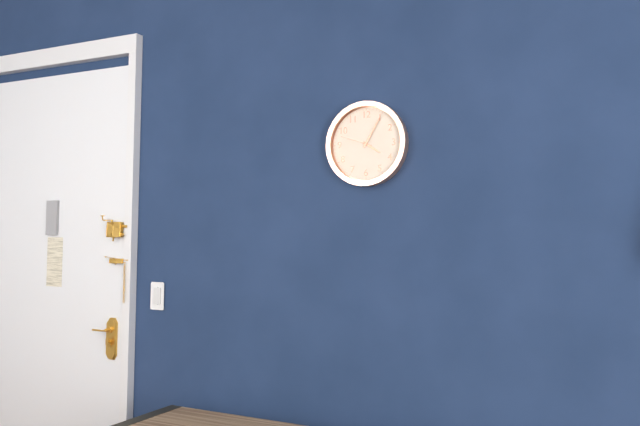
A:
4,05
